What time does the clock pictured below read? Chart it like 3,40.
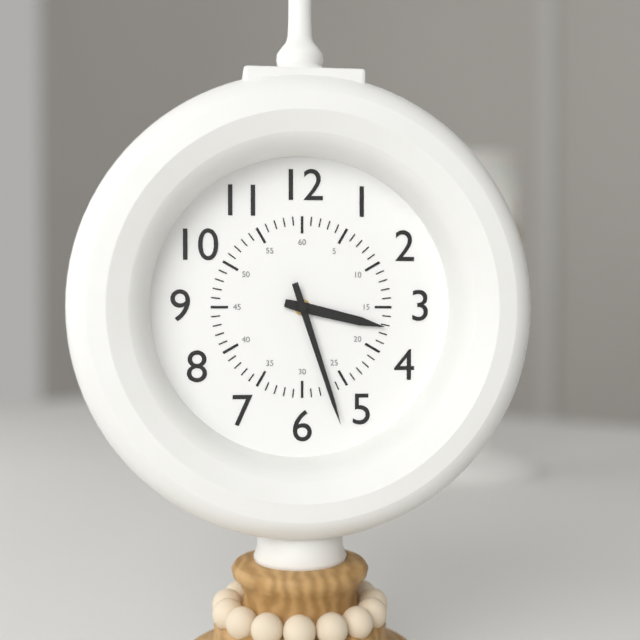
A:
3,27
